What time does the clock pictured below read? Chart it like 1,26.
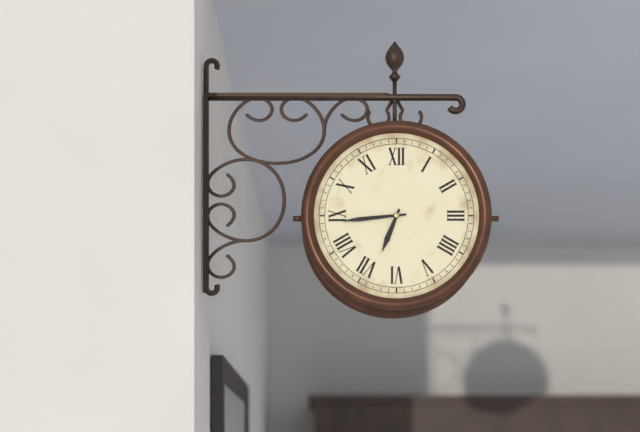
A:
6,44
